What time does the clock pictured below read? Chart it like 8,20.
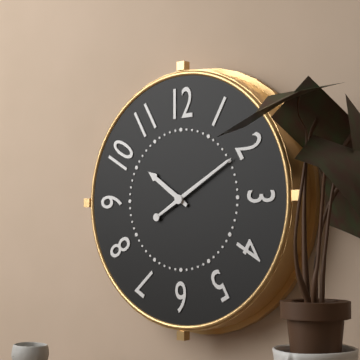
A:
10,10
